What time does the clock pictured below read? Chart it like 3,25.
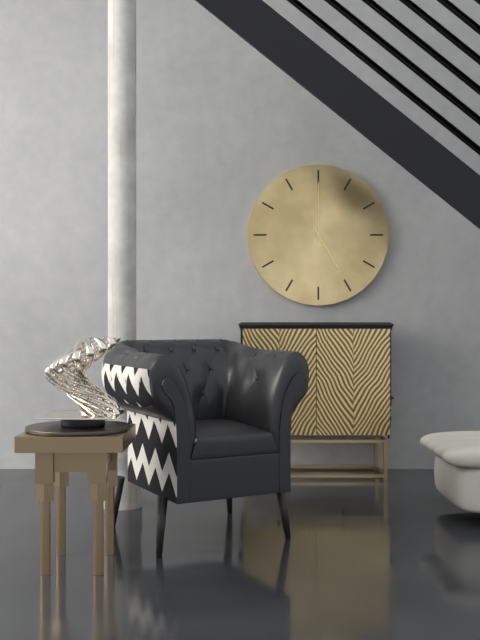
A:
5,00
